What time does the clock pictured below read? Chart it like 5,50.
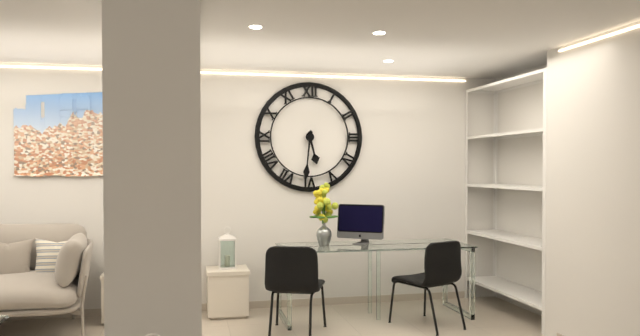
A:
5,31
